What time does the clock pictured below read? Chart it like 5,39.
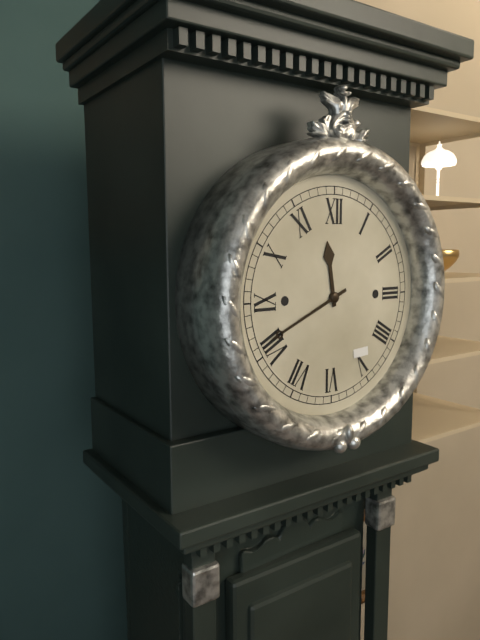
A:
11,41
